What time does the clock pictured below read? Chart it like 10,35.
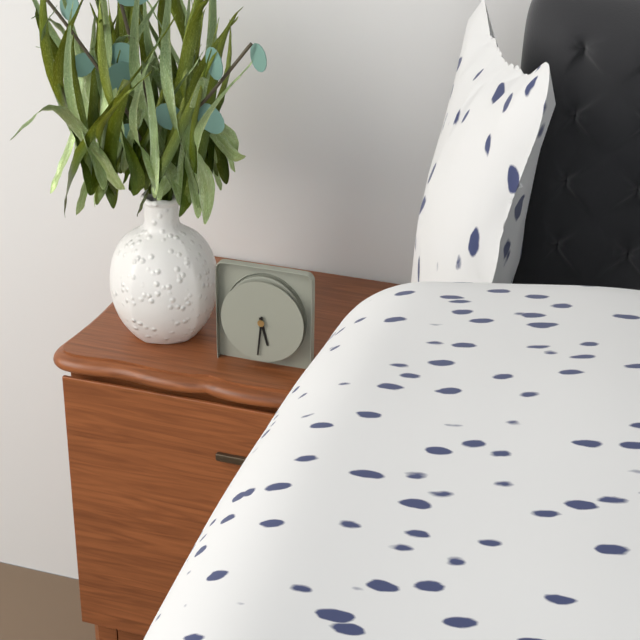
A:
5,31
